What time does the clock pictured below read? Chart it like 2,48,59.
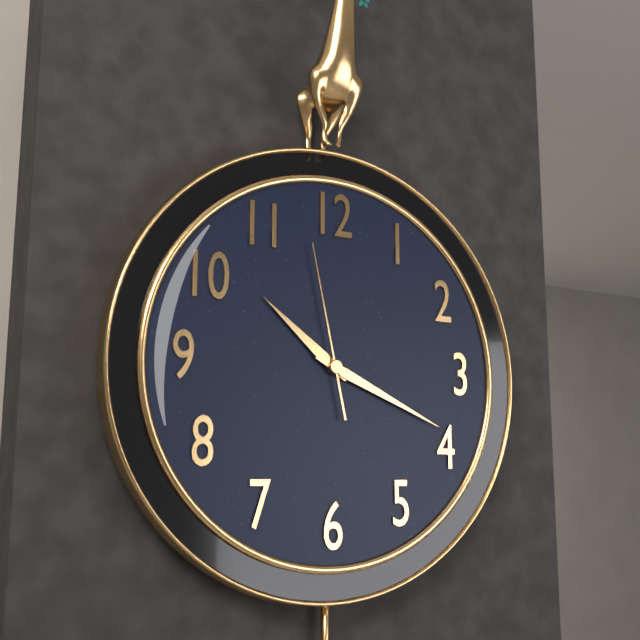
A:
10,19,58
